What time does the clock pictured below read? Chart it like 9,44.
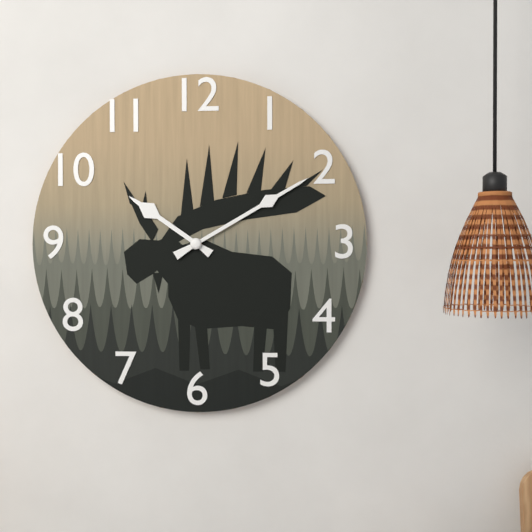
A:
10,10
